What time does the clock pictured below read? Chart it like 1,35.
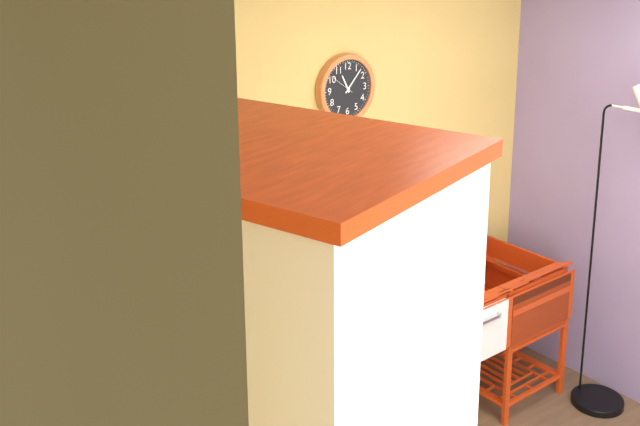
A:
11,07
